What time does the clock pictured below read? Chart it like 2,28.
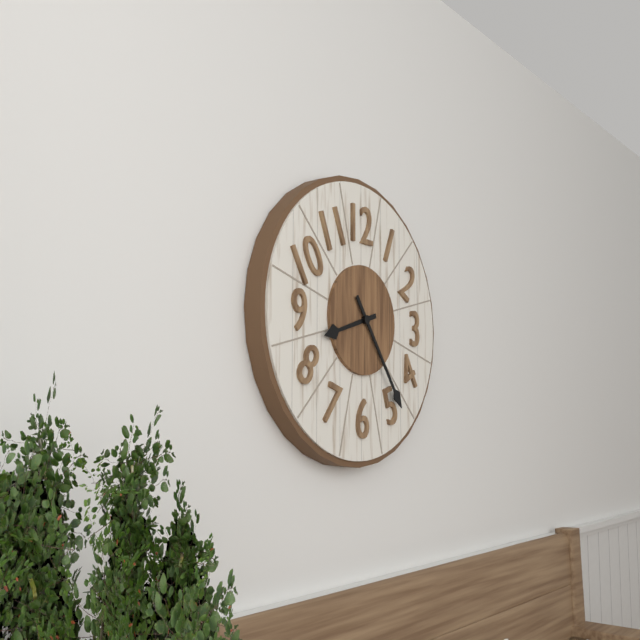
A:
8,24
